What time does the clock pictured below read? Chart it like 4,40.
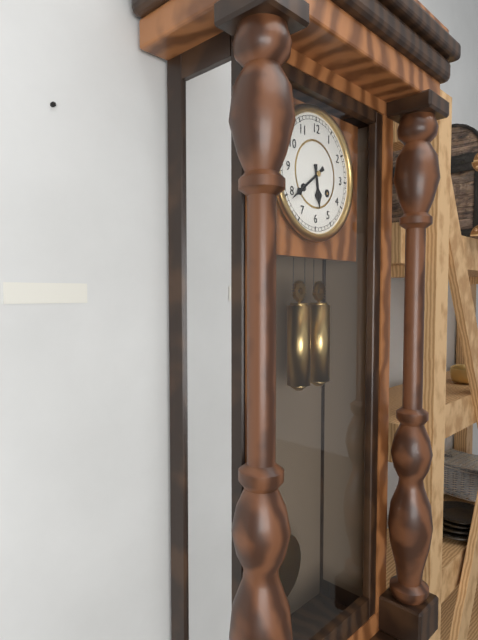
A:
5,39
